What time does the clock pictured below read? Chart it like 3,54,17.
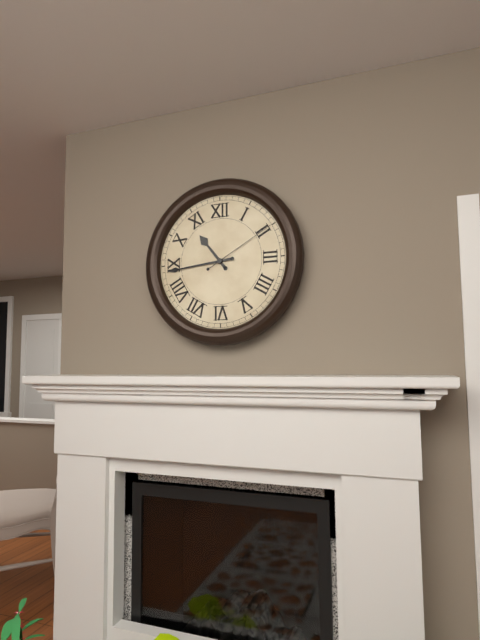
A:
10,44,10
